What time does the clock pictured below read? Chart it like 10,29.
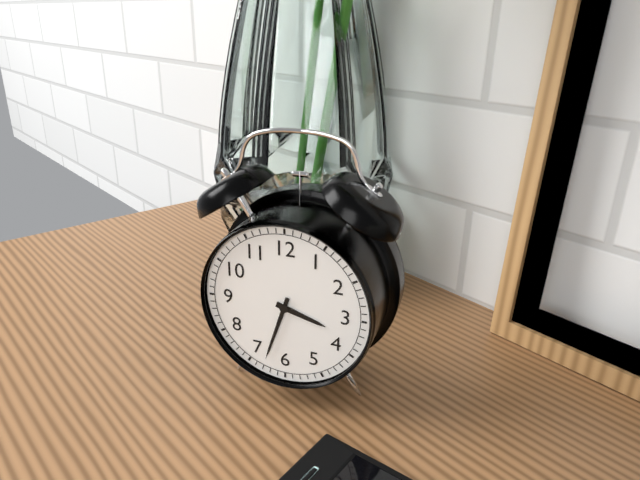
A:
3,33
